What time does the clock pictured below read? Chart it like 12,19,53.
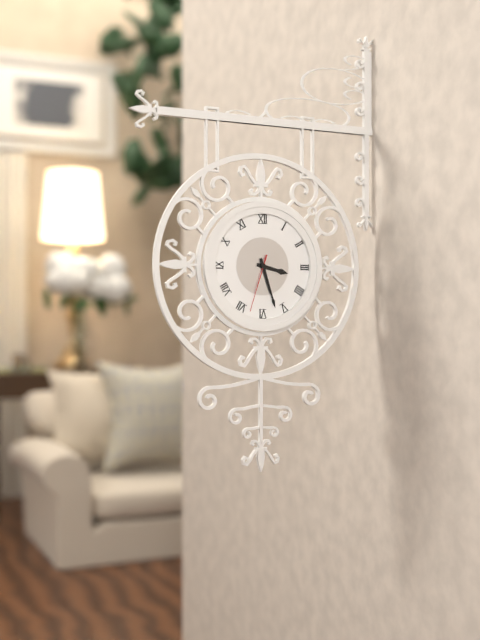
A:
3,27,33
